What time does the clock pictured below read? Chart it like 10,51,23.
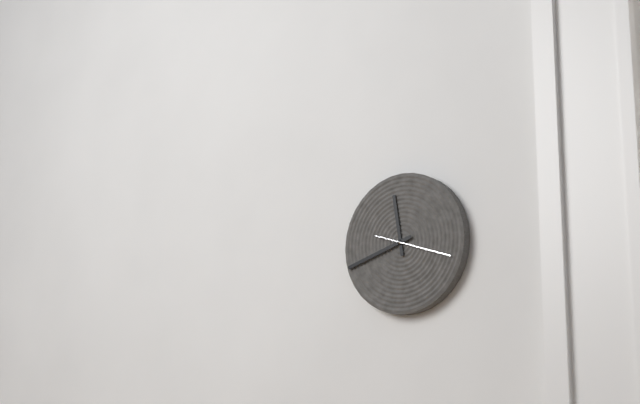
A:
11,42,18
